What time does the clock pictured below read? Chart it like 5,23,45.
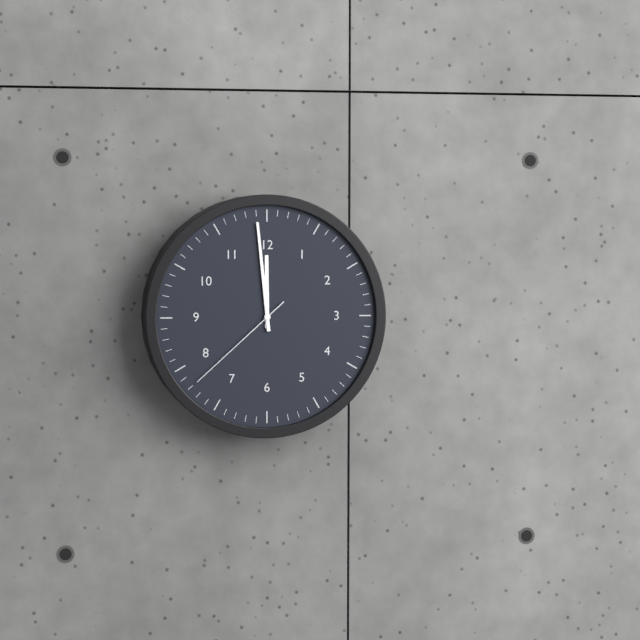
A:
11,59,38
